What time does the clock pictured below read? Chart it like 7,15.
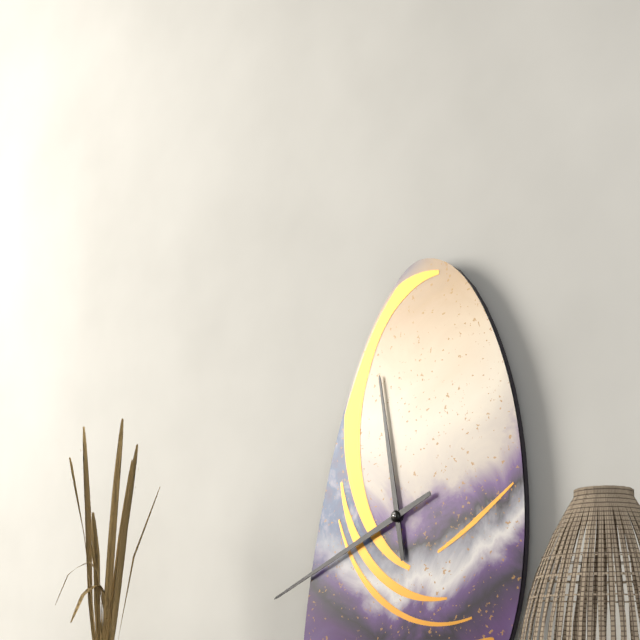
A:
11,41
